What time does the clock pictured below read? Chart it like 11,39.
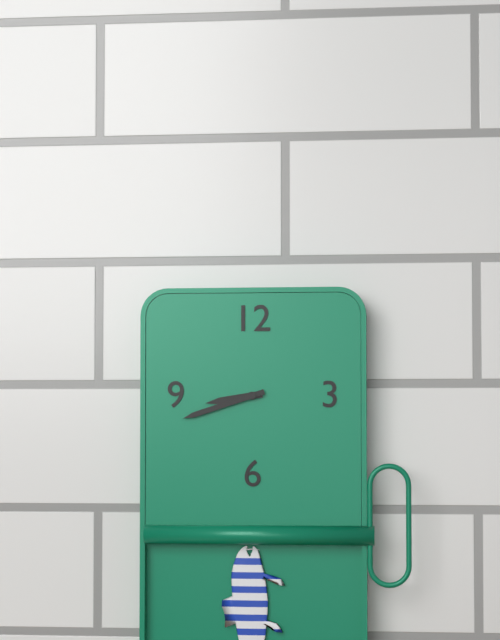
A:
8,42
